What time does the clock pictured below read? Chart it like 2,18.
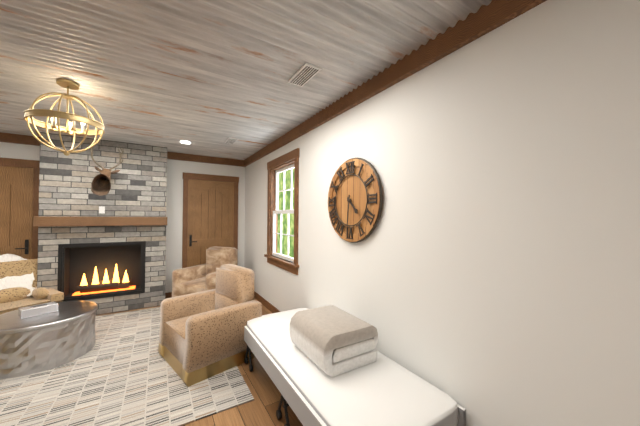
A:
4,31
